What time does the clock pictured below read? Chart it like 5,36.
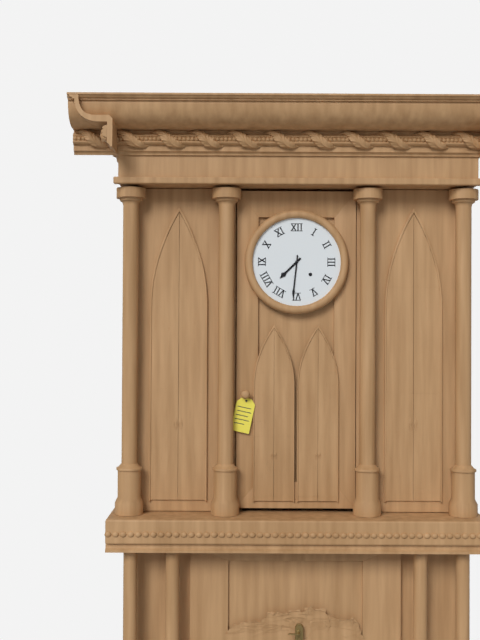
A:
7,31
